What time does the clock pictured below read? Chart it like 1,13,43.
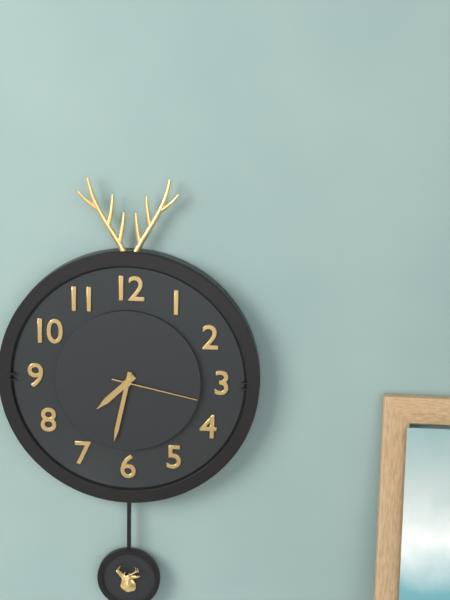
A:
7,32,17
